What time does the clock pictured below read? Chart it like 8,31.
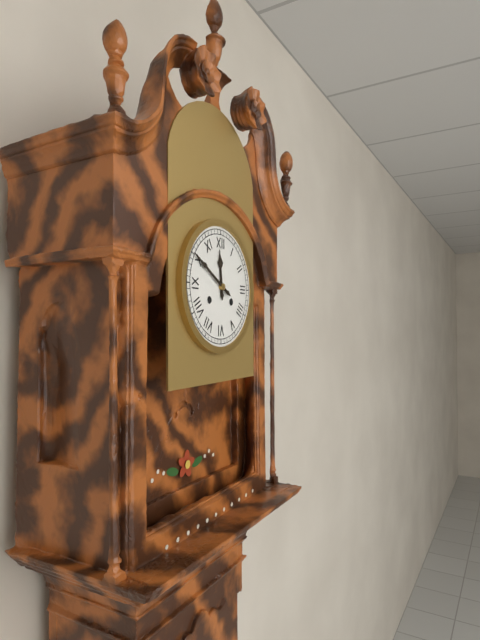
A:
11,50
